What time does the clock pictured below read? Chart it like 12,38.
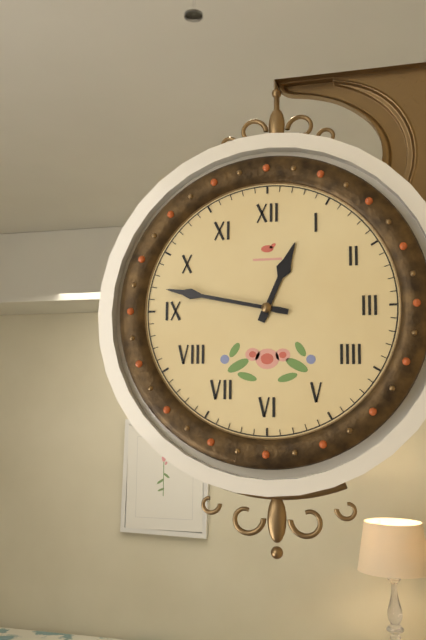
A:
12,47
